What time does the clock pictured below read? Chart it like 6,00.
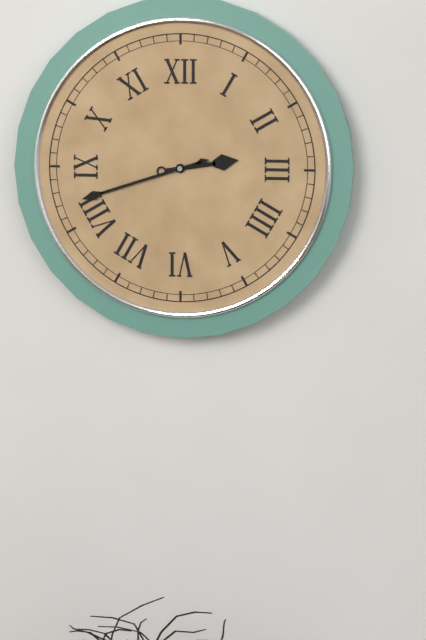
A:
2,42
